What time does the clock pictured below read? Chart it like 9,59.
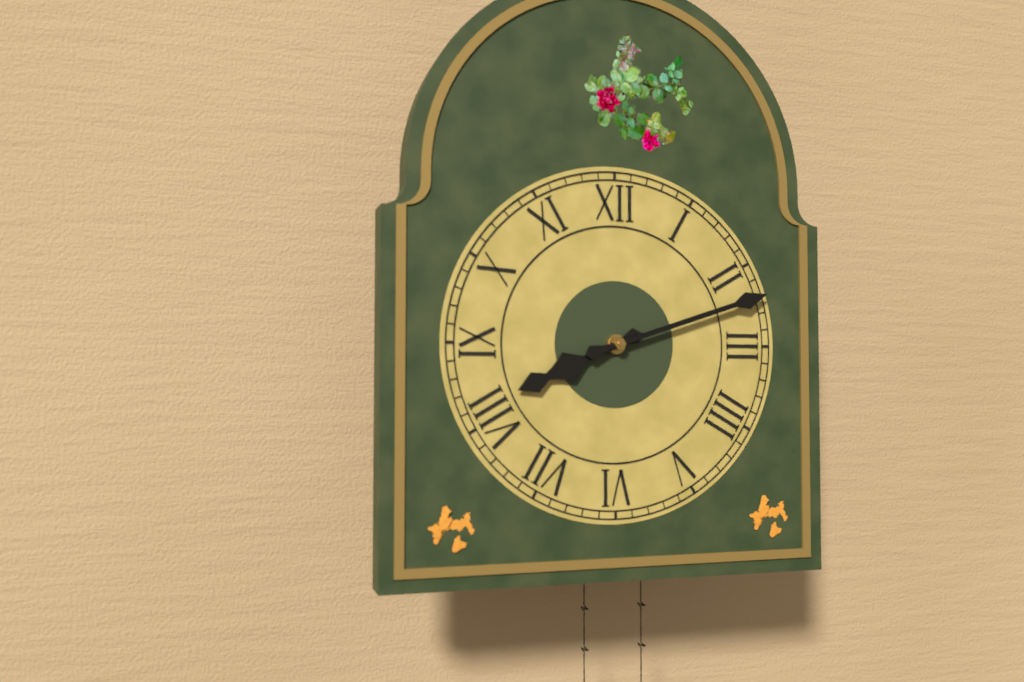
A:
8,12
